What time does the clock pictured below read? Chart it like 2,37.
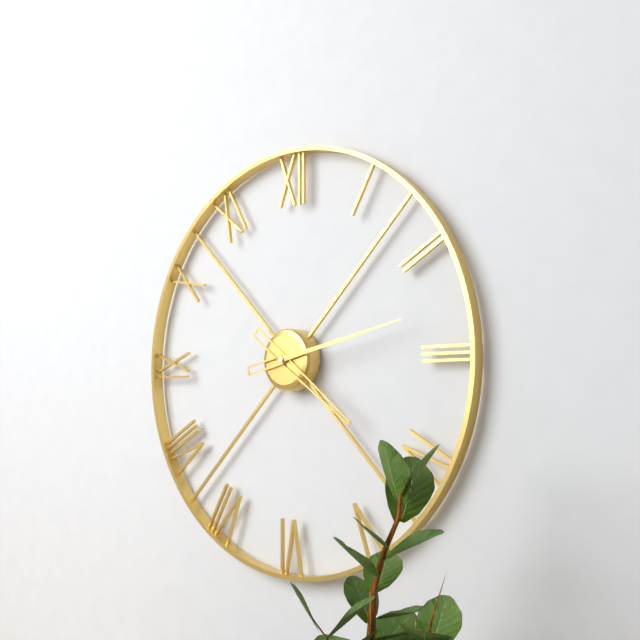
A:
4,13
